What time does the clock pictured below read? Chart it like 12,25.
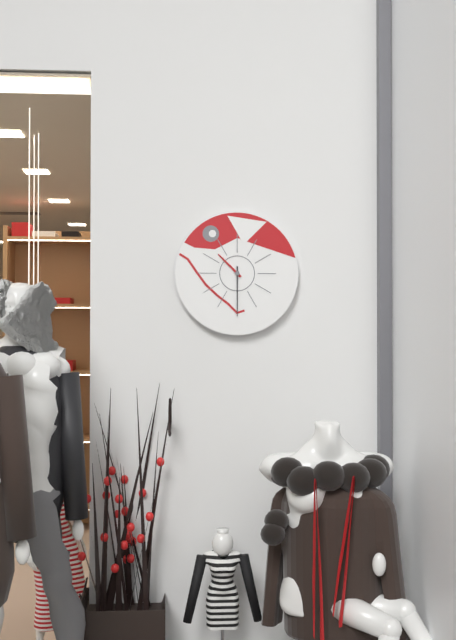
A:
10,30
